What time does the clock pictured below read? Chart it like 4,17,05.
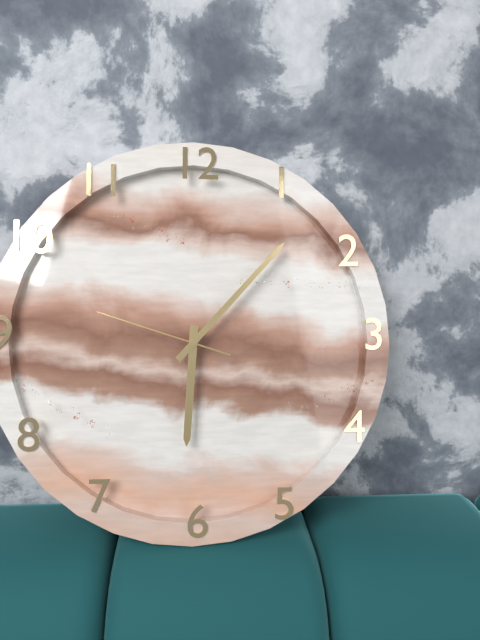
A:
6,07,48
